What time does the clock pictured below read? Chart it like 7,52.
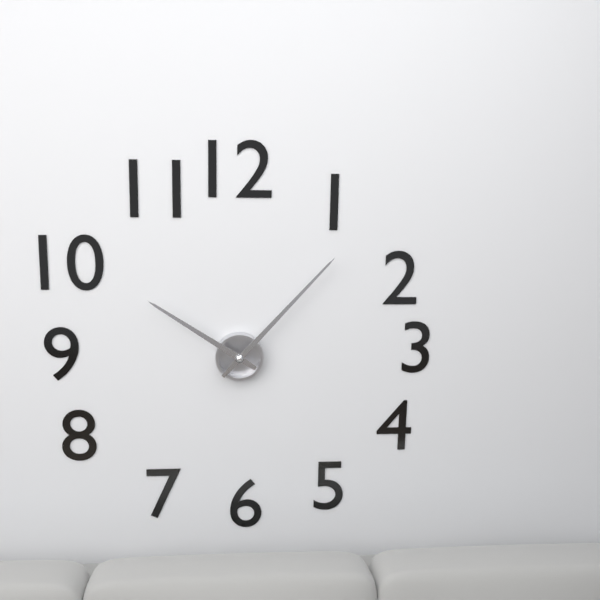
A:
10,07
